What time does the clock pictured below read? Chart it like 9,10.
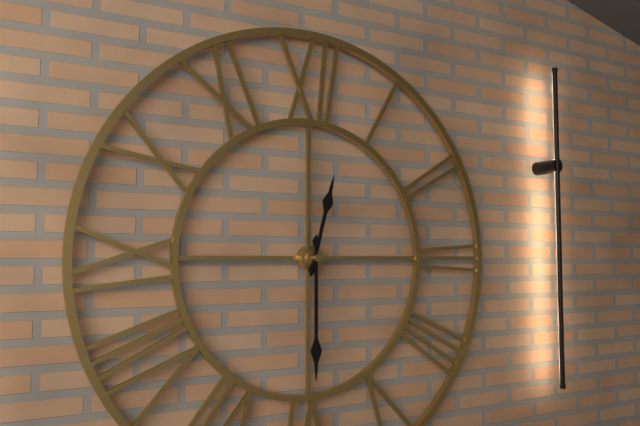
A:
12,30
